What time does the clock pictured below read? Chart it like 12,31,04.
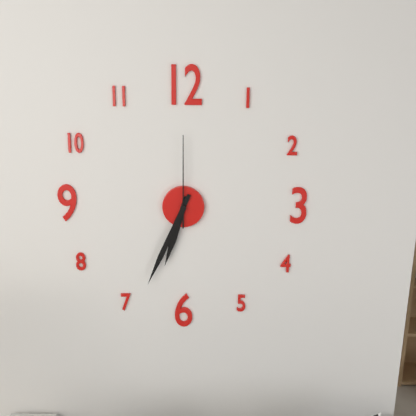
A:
6,34,00
